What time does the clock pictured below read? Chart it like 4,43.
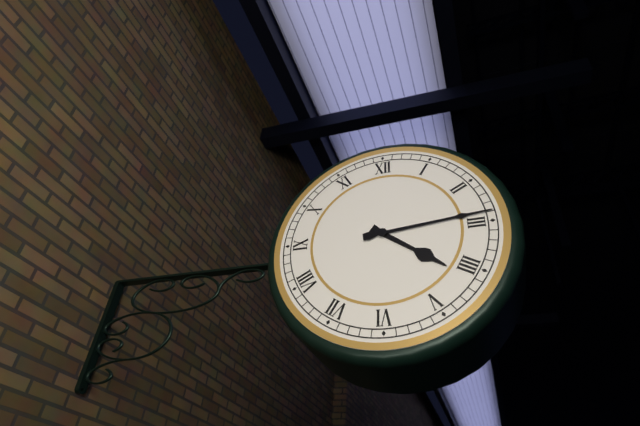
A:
4,14
